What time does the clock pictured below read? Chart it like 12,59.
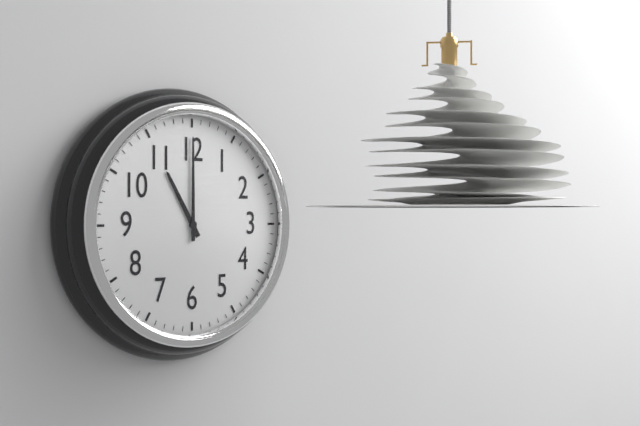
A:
11,00
